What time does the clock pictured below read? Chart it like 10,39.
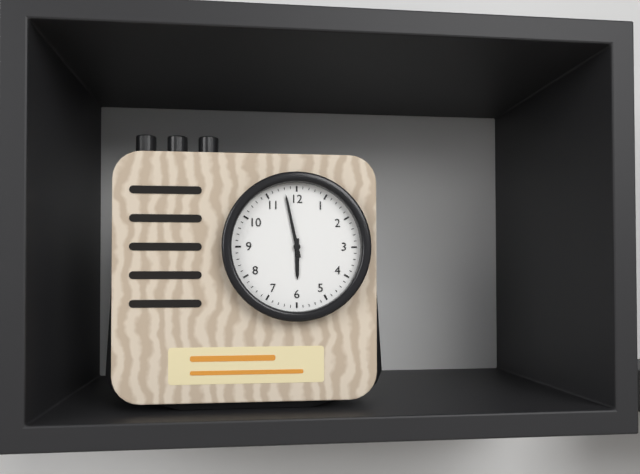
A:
5,58
